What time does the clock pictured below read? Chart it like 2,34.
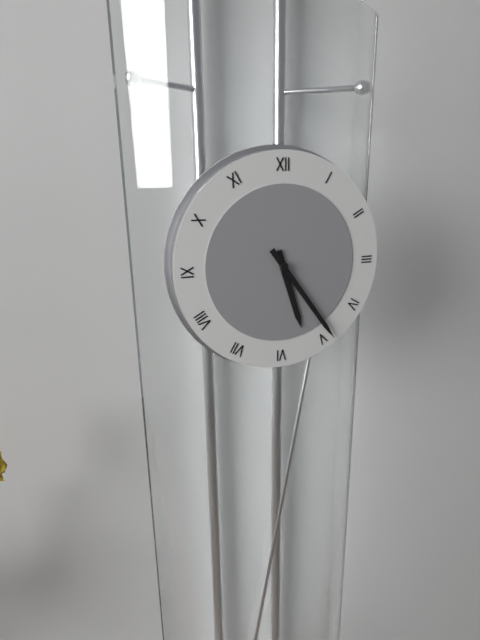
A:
5,24
